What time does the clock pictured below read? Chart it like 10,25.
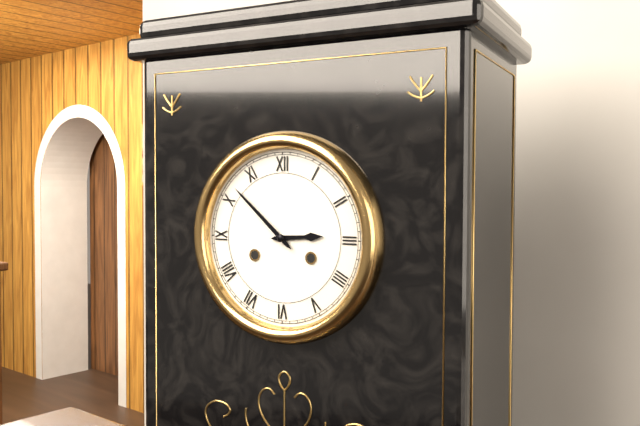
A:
2,52
